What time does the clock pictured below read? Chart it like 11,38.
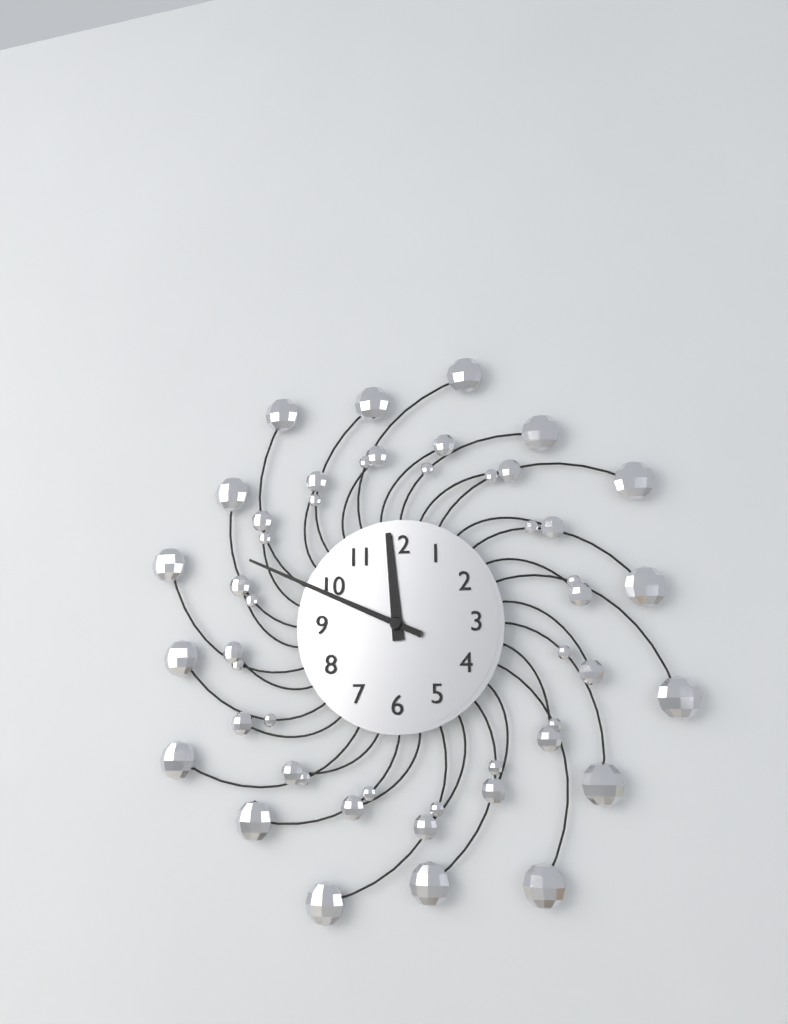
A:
11,49
